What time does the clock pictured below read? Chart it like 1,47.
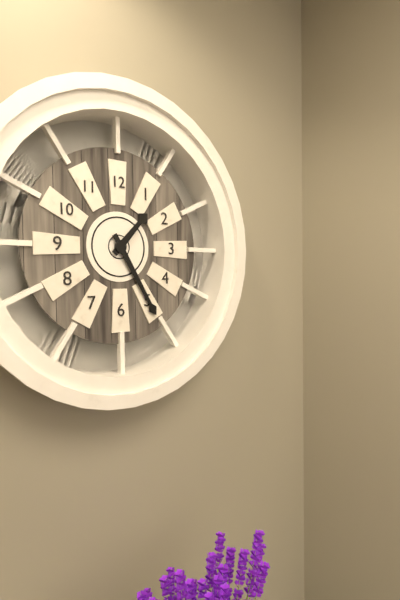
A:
1,25
